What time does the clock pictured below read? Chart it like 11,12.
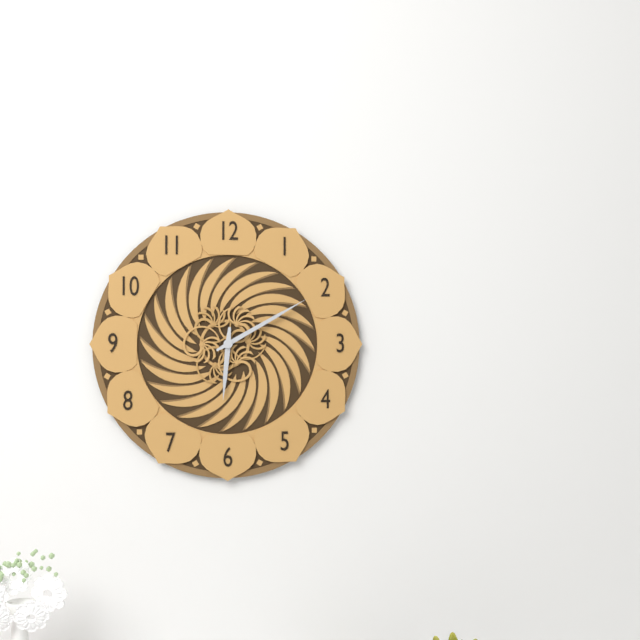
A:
6,10
